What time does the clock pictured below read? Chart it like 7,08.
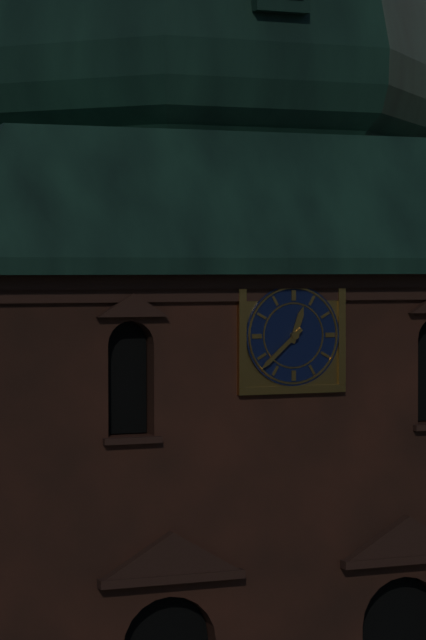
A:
12,38
